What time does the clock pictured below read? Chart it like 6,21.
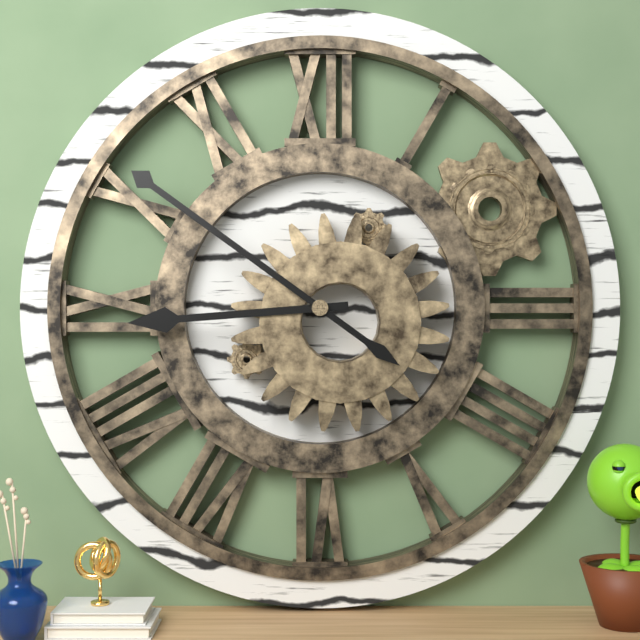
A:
8,51
